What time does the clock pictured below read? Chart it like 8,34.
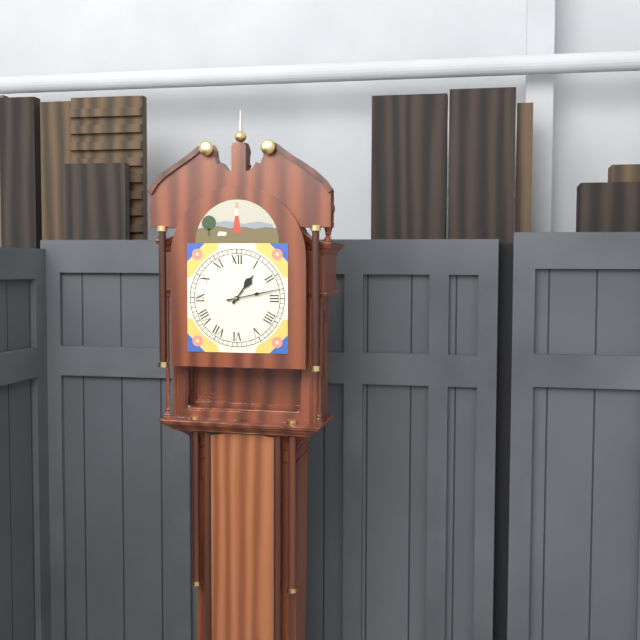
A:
1,13
